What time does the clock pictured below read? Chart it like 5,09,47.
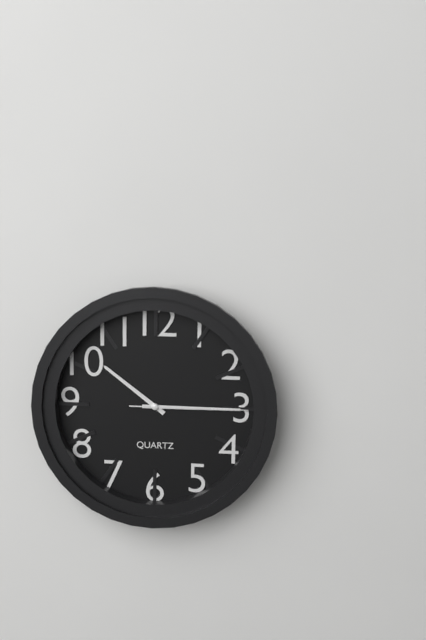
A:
10,15,15
